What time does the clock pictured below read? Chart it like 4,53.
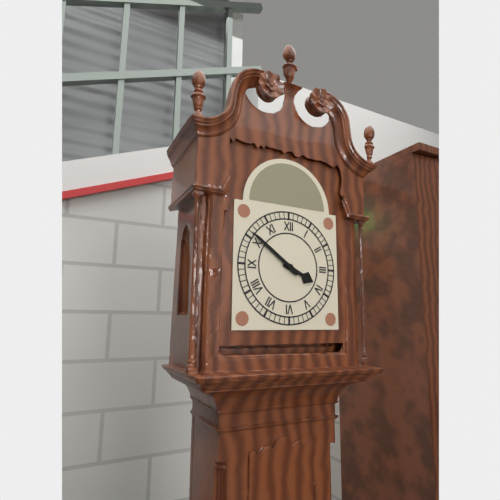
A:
3,51
